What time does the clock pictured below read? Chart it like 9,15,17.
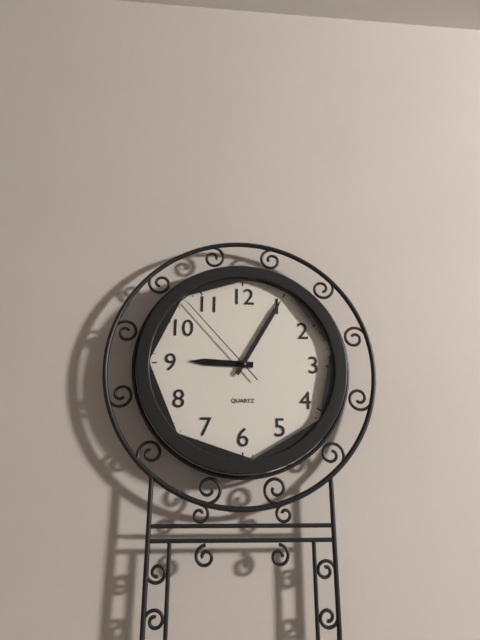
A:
9,05,53
